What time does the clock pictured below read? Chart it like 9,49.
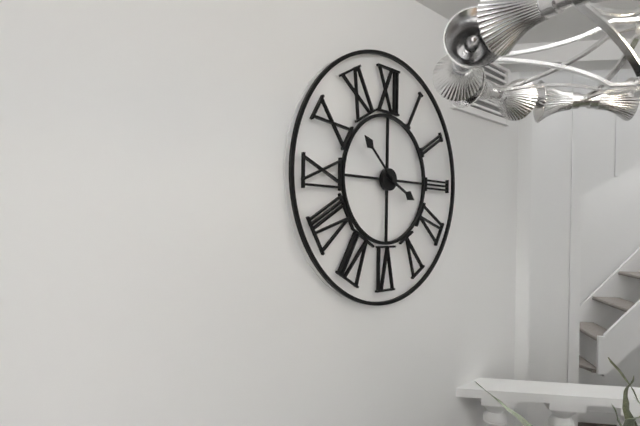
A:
3,52
